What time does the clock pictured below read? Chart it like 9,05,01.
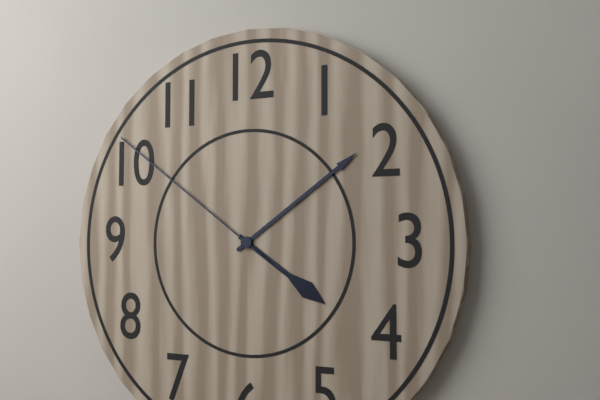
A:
4,09,51
